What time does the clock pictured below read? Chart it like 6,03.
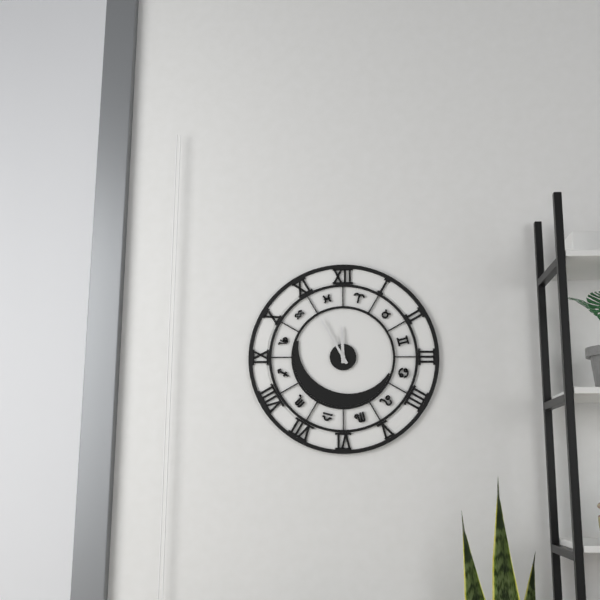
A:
11,55
